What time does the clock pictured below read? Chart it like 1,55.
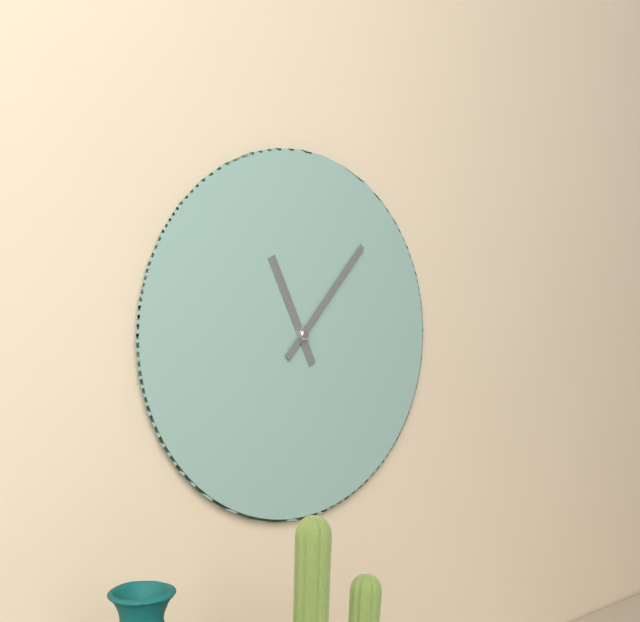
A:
11,07
